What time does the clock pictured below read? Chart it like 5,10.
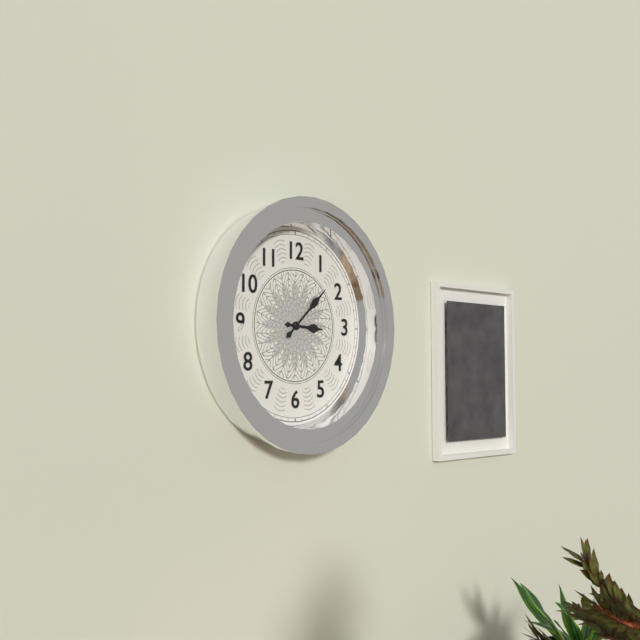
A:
3,08
